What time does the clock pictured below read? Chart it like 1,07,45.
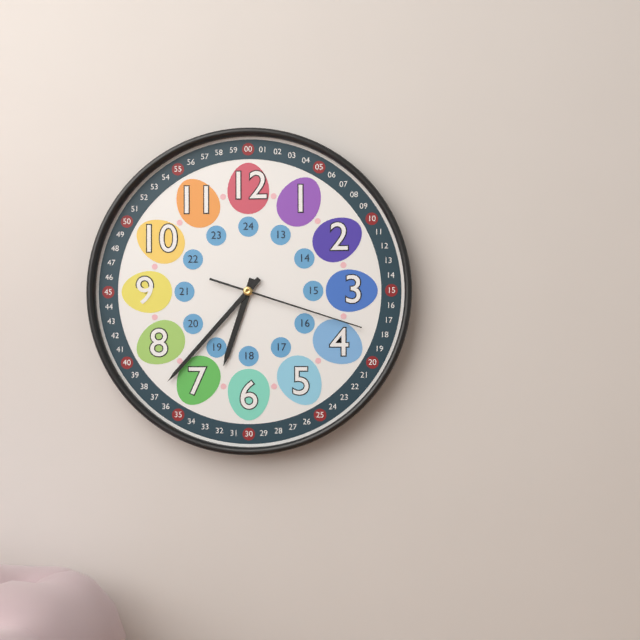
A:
6,37,18
